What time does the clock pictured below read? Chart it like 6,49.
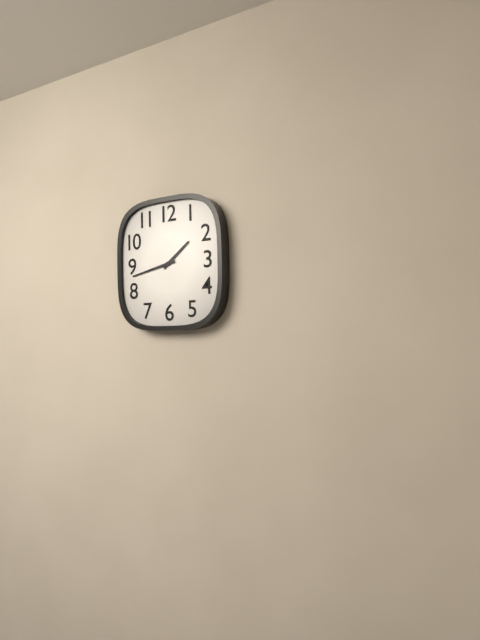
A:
1,43
